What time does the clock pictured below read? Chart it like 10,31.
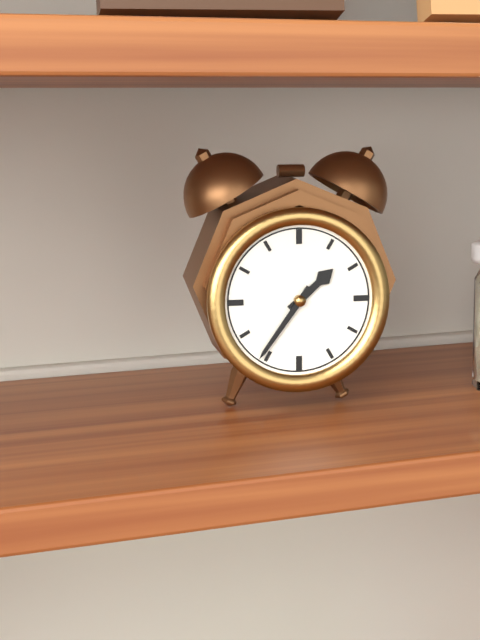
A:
1,36
